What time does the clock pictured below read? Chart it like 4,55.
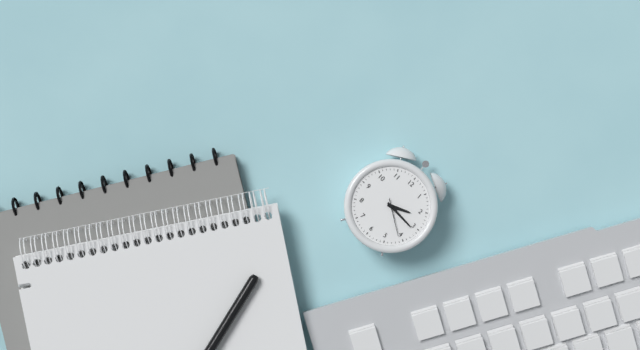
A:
2,16
